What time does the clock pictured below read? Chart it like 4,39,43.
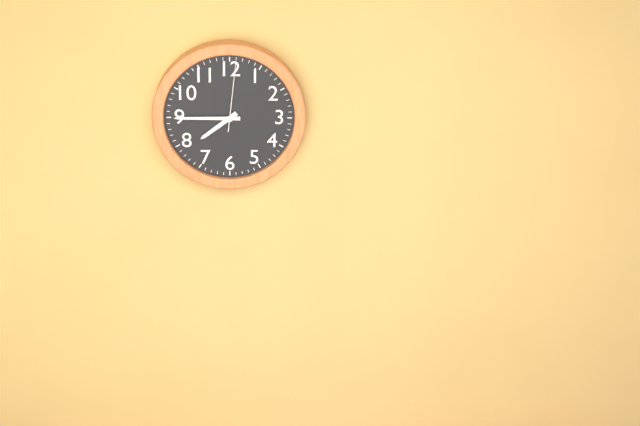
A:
7,45,01
